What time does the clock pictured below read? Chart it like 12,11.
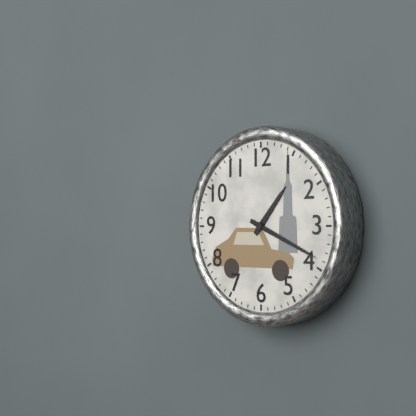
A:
1,19
